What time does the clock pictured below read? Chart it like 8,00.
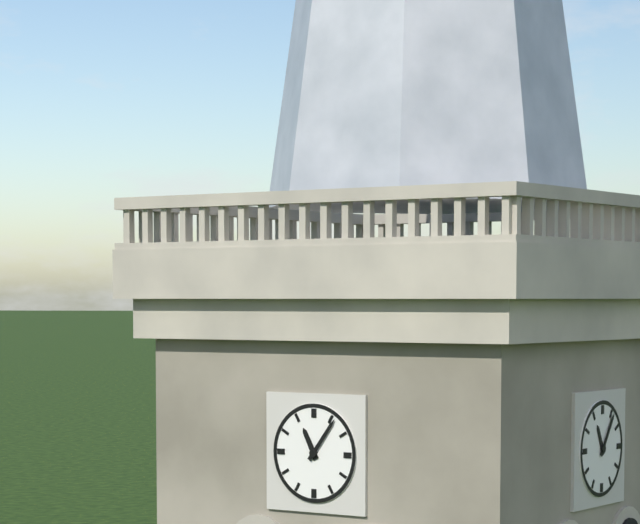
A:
11,06
